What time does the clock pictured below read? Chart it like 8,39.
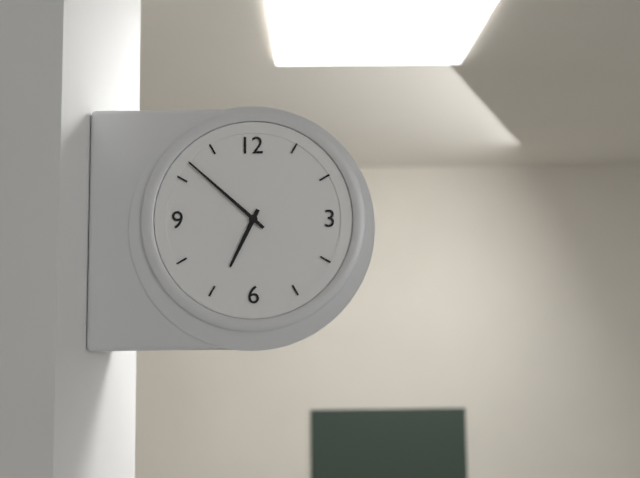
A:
6,52
